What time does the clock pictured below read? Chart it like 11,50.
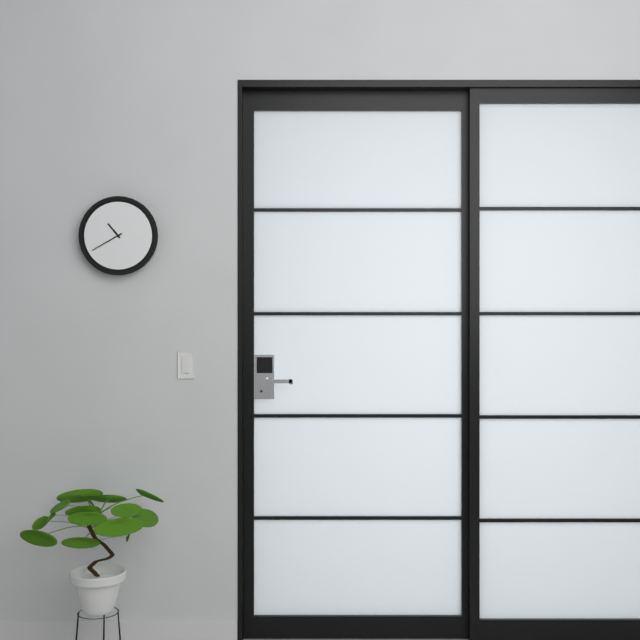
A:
10,40
